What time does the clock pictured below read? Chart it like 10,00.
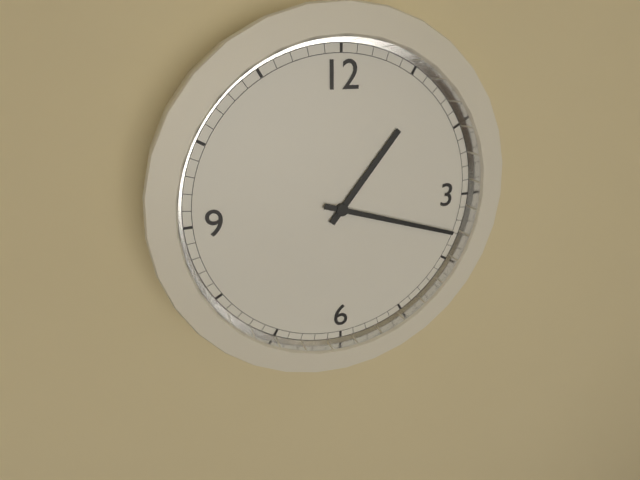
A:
1,18
